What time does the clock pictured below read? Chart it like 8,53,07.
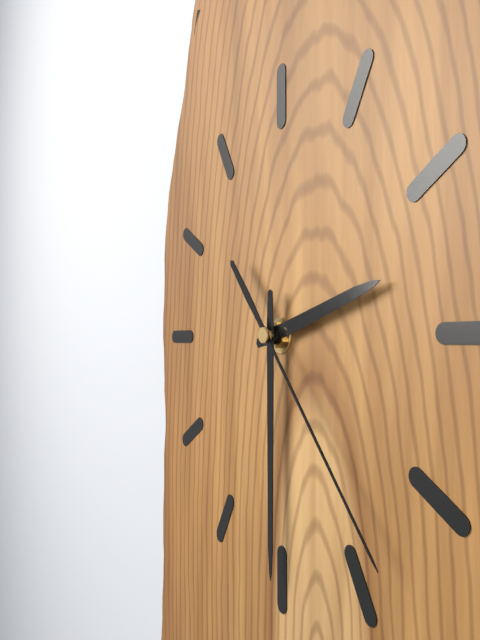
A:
2,30,23
